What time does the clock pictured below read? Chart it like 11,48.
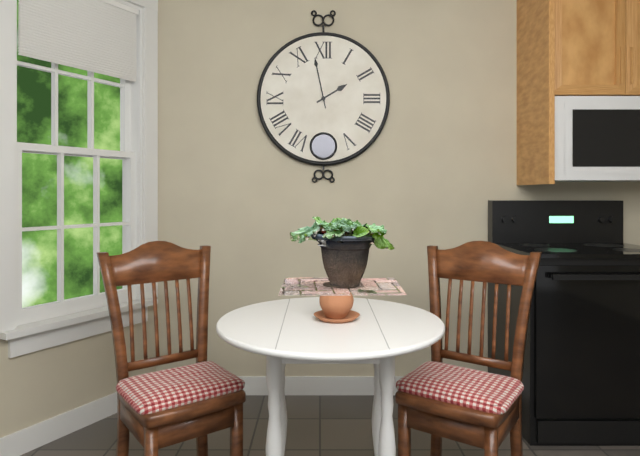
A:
1,58
